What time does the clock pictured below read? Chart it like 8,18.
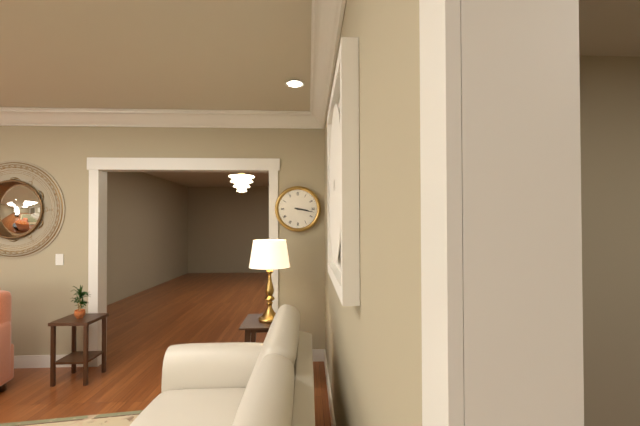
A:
3,17
